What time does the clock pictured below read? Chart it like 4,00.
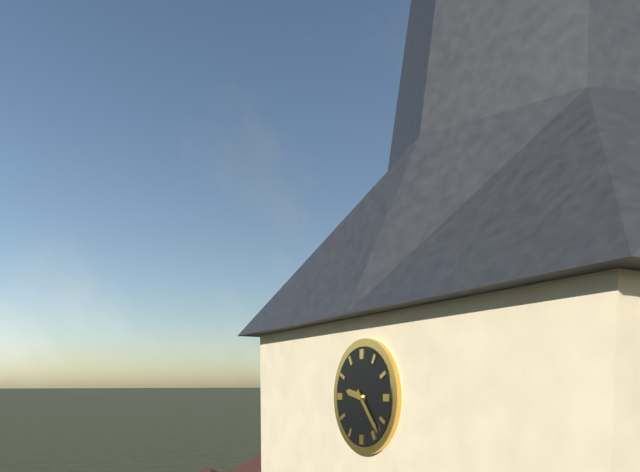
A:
9,23
